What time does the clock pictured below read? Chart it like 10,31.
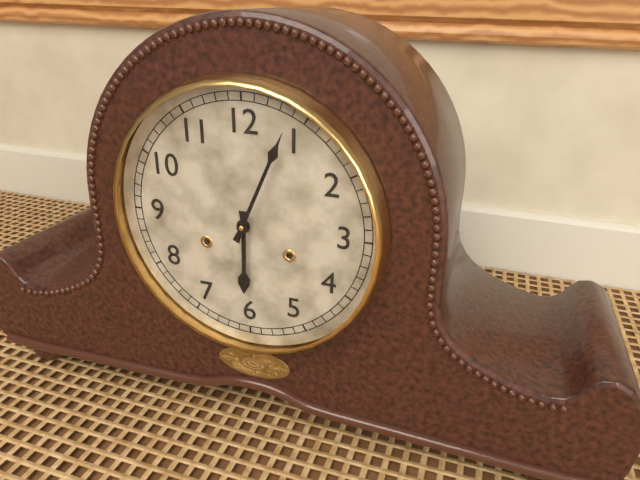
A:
6,04
